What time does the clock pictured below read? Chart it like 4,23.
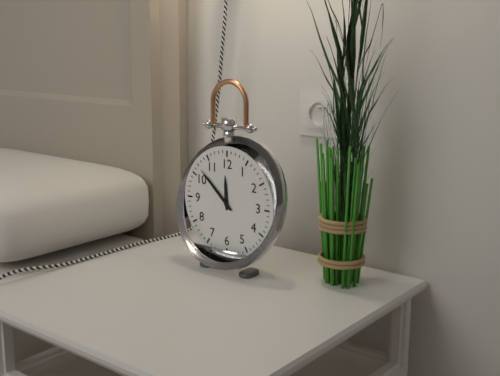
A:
11,52
